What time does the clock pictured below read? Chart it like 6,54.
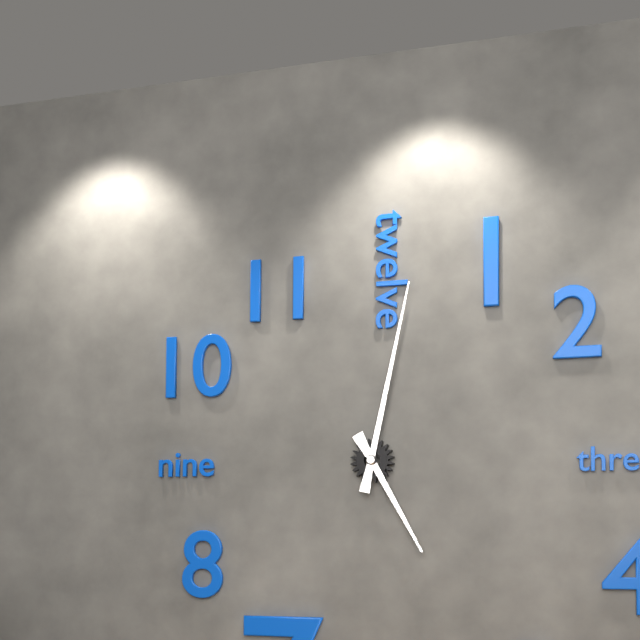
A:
5,02
